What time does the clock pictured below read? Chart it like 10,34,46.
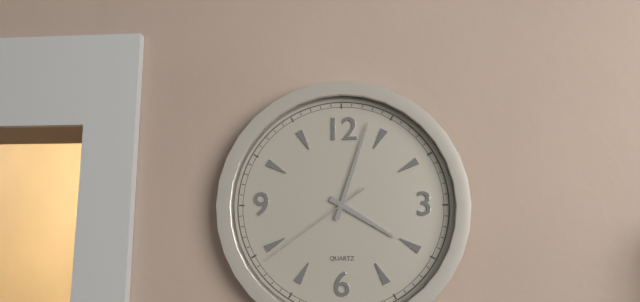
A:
4,03,39
